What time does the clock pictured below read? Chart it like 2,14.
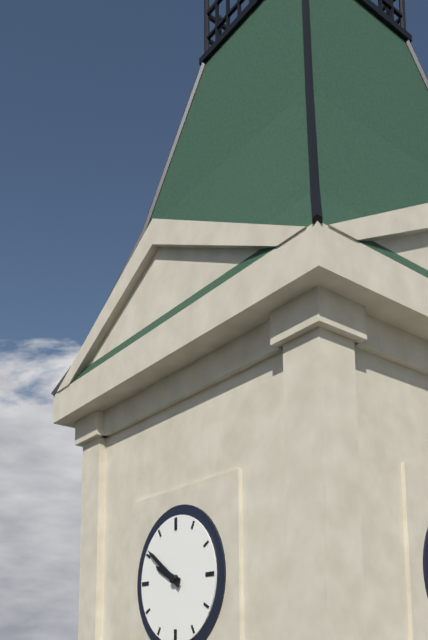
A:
9,51
